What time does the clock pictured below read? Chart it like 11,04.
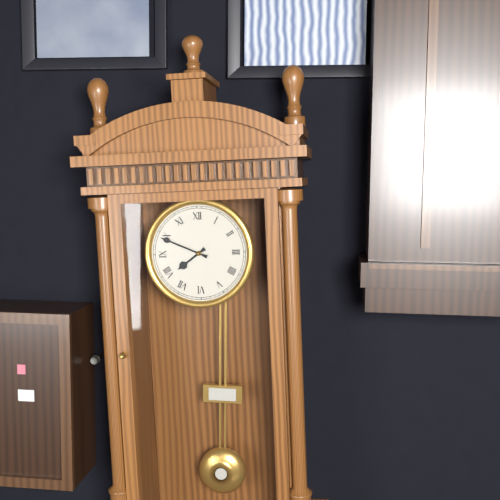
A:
7,49
